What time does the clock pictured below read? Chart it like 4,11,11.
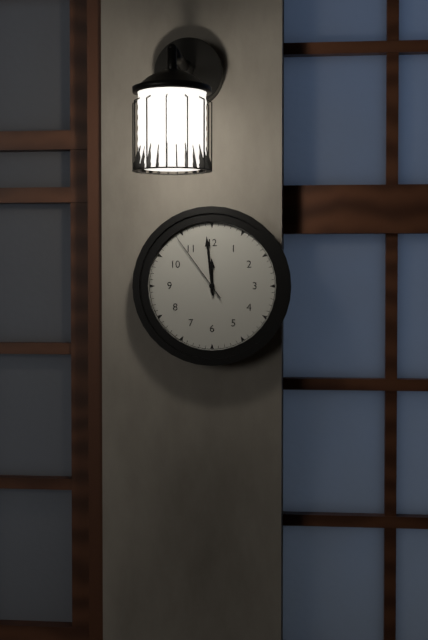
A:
11,59,54
